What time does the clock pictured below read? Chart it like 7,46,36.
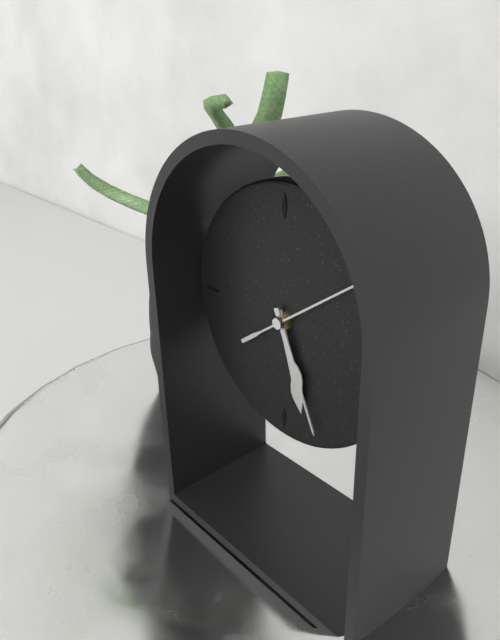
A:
5,26,09
